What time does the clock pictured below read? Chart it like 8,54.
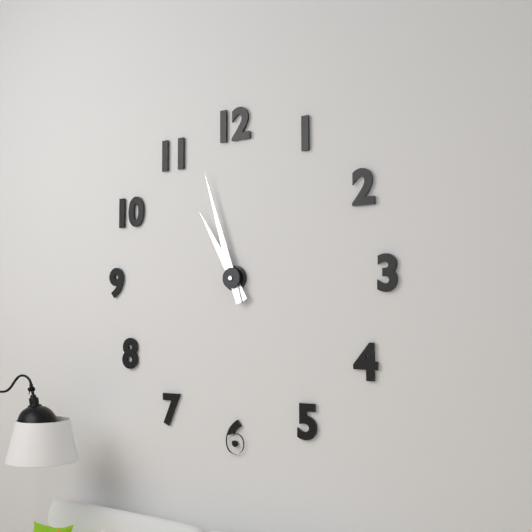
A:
10,57
